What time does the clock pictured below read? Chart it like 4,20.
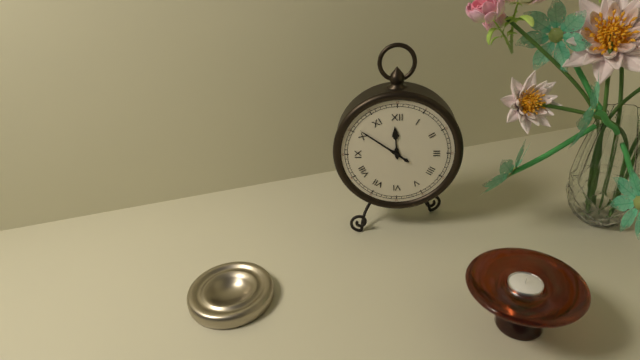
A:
11,51
